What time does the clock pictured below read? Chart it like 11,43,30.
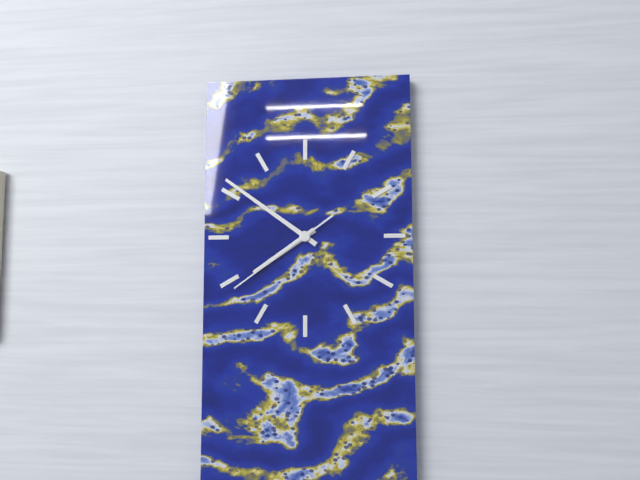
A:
7,51,39
